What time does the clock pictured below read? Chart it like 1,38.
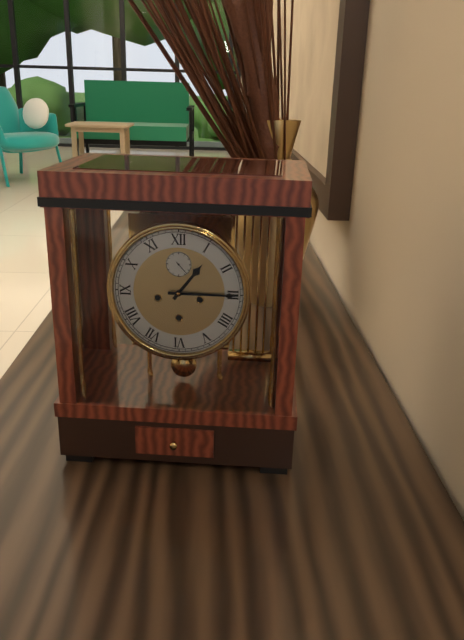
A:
1,15
